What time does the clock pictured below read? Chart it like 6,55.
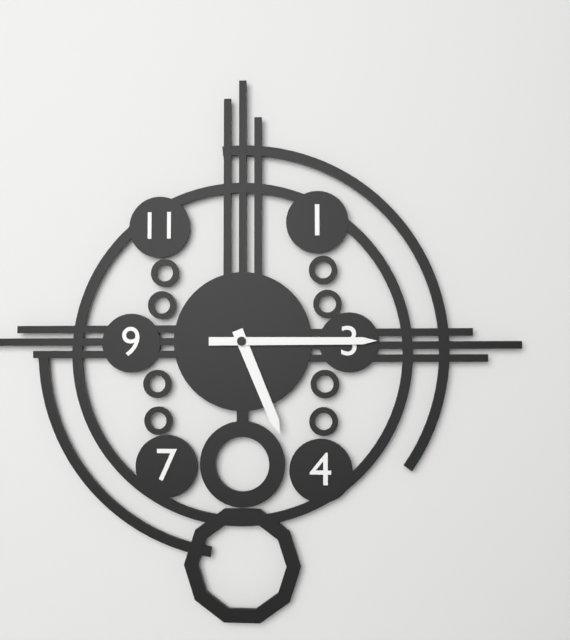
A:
5,15
